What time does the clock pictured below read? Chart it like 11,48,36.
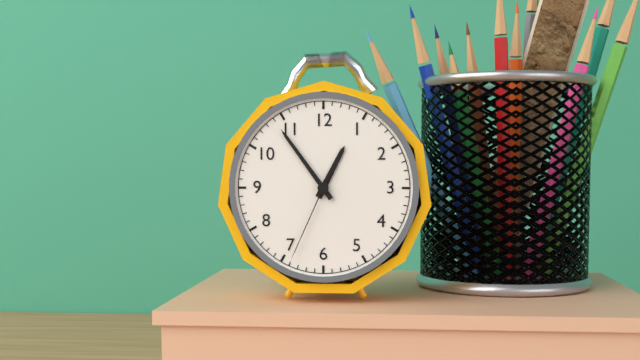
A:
12,54,34
